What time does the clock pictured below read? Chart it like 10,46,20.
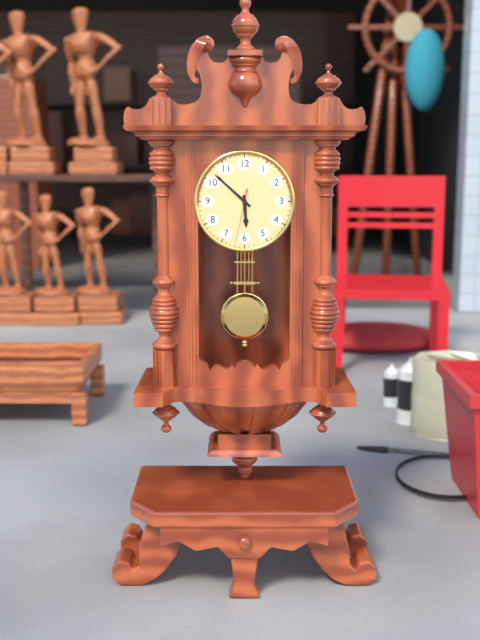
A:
5,52,32
